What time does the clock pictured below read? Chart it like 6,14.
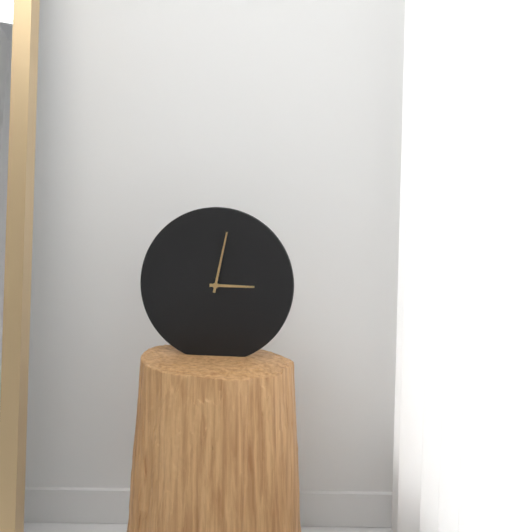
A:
3,02
